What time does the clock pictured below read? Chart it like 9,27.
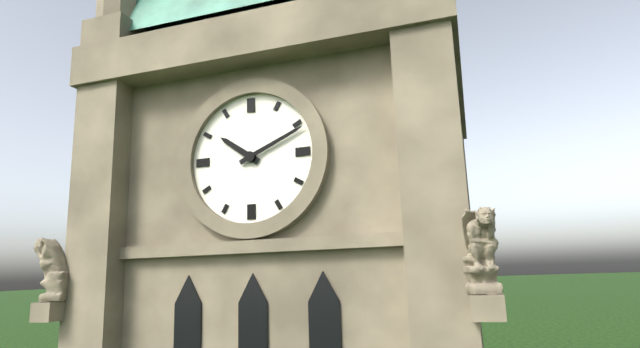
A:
10,11
